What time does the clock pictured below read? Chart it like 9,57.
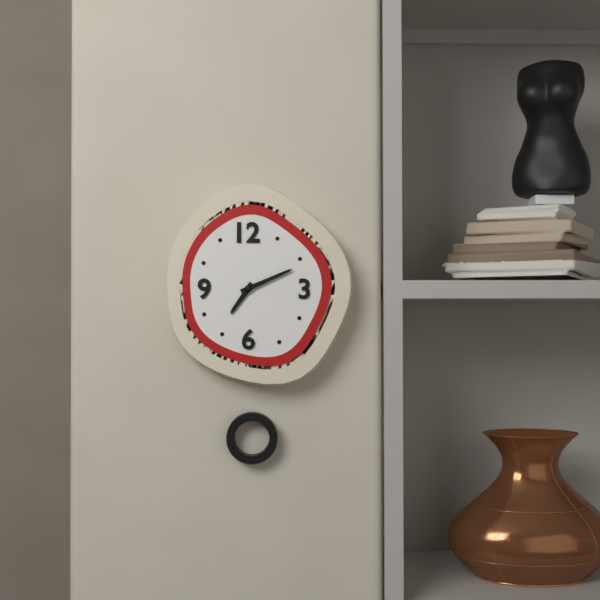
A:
7,11
